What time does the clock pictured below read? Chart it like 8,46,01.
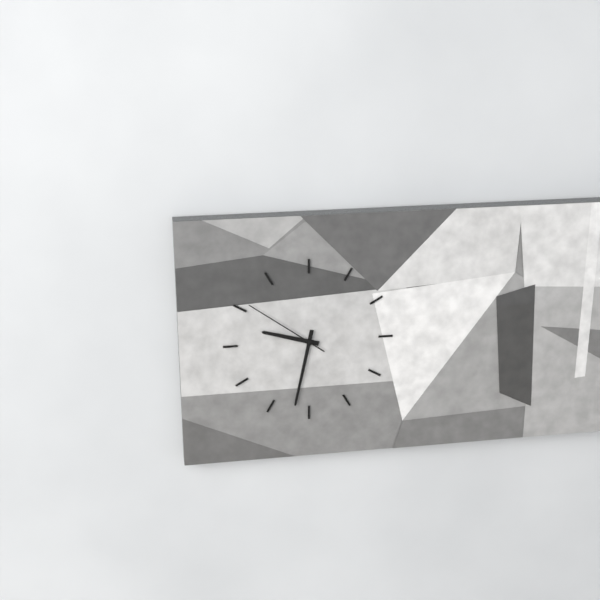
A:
9,32,51
